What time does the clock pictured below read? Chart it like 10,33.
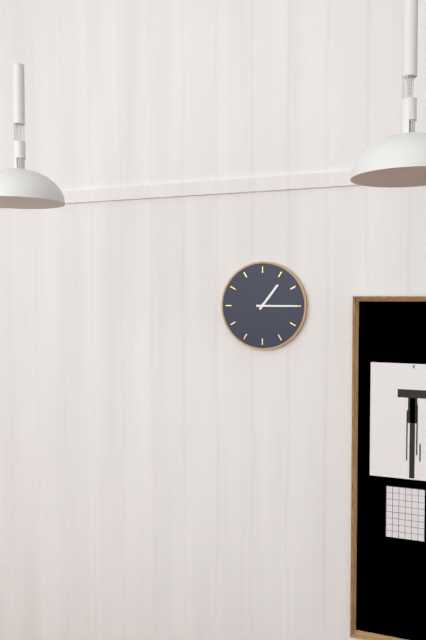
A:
1,15
